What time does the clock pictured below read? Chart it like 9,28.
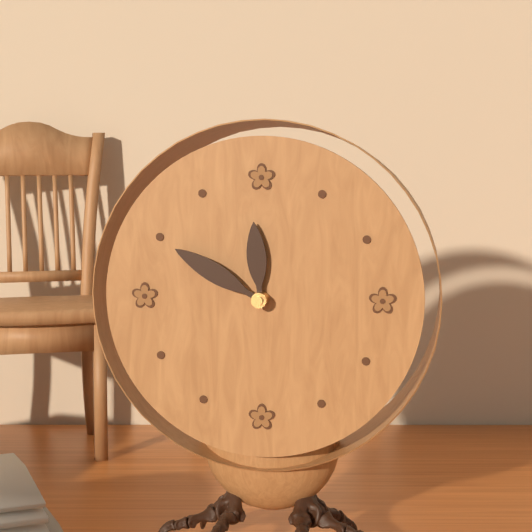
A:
11,50
